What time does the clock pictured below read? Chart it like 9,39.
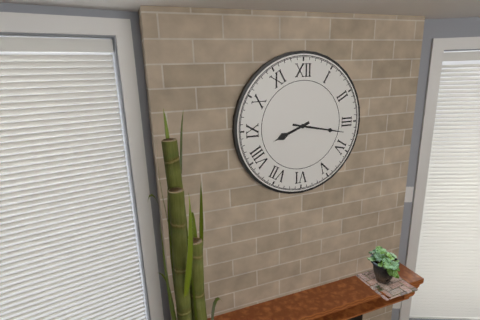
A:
8,17
